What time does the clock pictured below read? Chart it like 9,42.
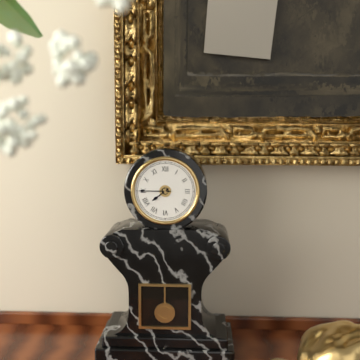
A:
7,45
